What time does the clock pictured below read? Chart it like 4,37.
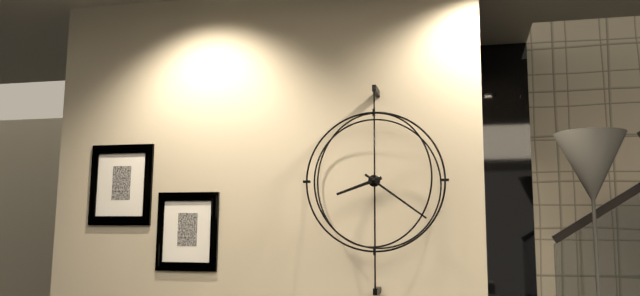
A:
8,21
